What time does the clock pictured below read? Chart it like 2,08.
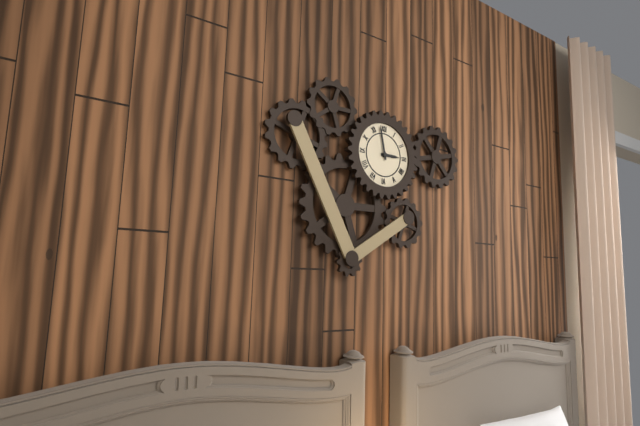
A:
2,58
